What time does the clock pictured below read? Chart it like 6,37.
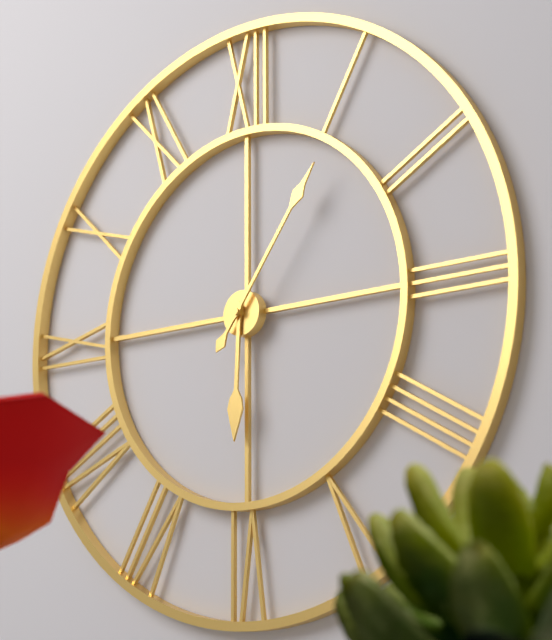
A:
6,06
